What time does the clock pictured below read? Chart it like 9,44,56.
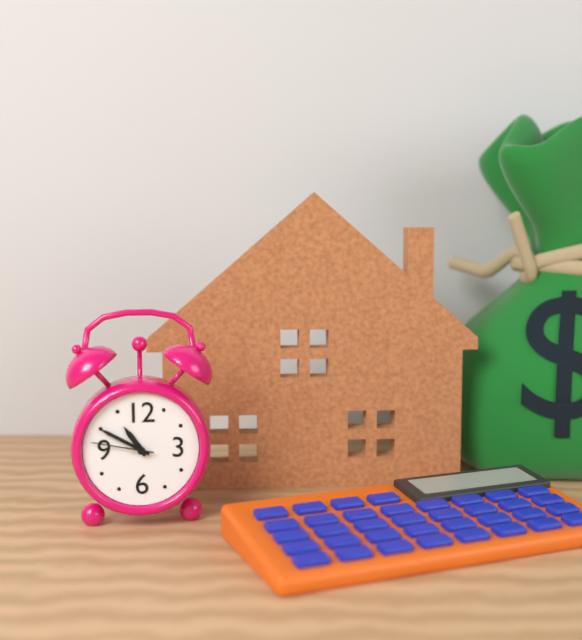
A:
10,50,47
